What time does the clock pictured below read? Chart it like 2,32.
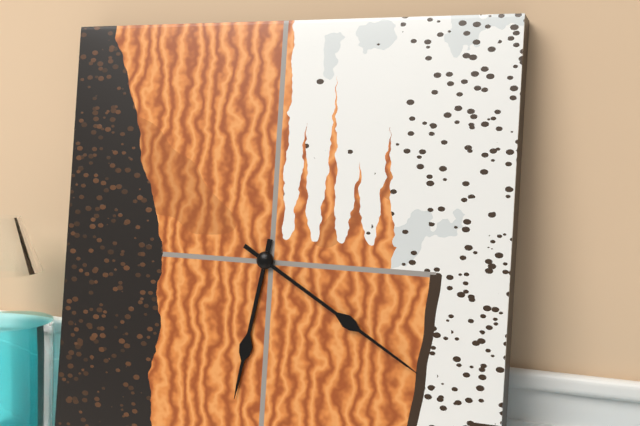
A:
6,20
